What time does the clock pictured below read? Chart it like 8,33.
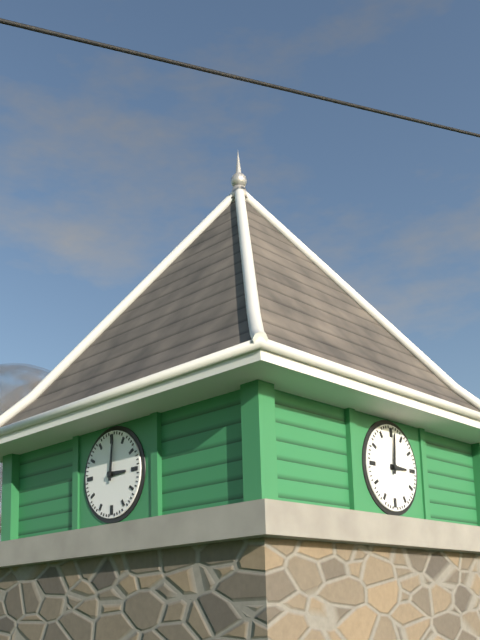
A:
3,01
